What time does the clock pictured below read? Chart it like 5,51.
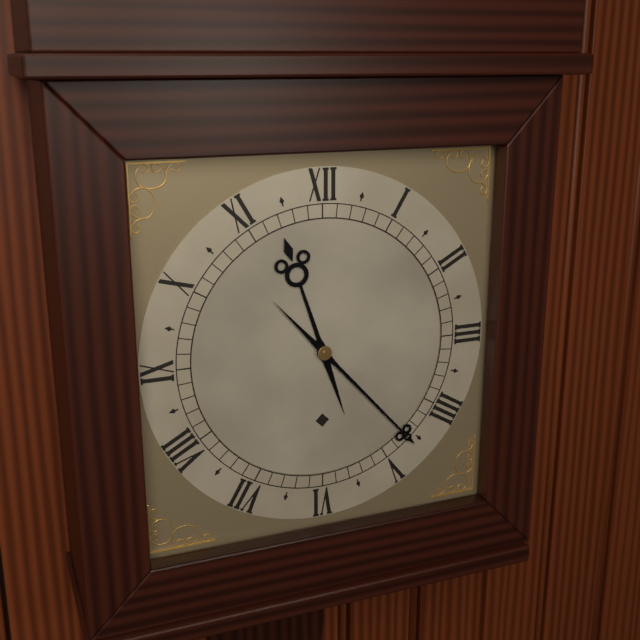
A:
11,23
